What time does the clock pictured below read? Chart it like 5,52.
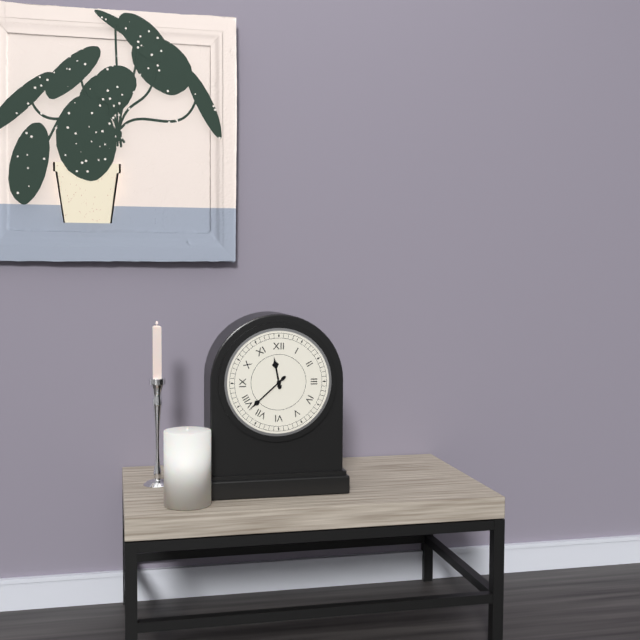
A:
11,38
